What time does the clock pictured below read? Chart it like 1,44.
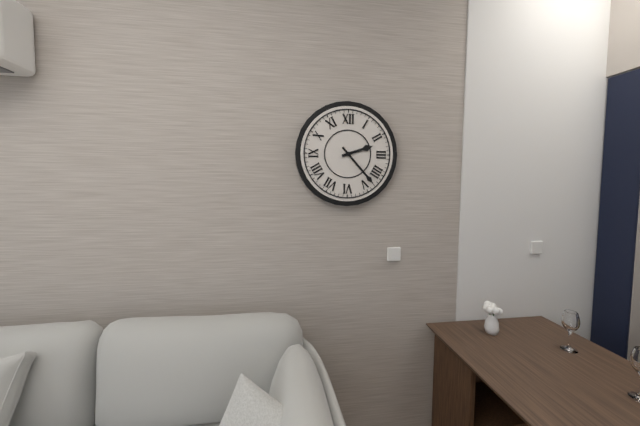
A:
2,23
